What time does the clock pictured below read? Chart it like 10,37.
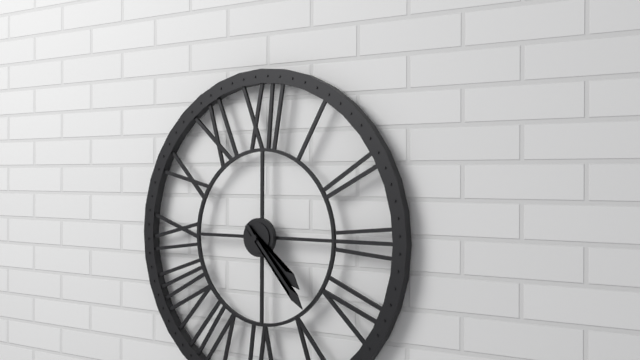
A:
4,23
